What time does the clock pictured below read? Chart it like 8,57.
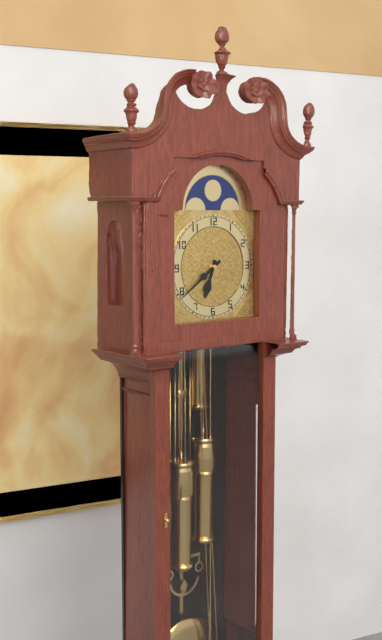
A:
6,39
